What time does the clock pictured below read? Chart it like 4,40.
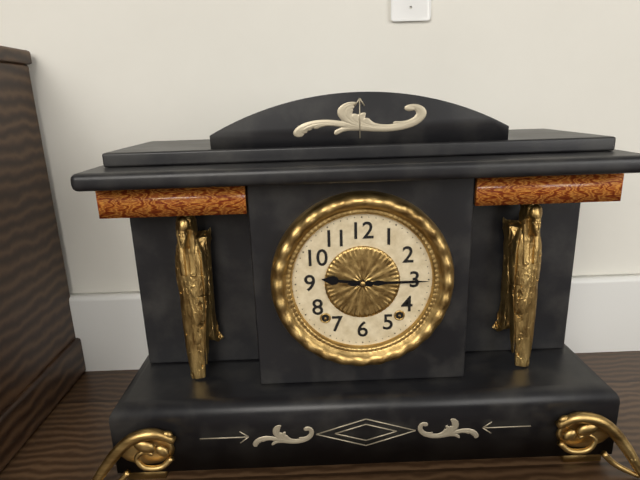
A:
9,15
